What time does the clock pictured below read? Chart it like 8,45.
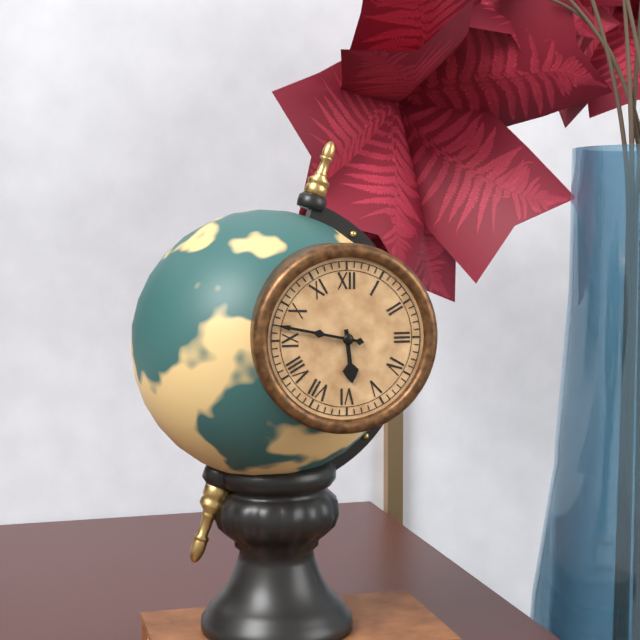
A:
5,47
